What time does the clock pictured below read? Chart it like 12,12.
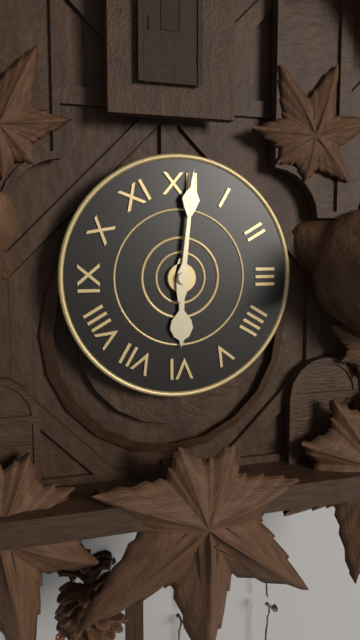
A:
6,01
